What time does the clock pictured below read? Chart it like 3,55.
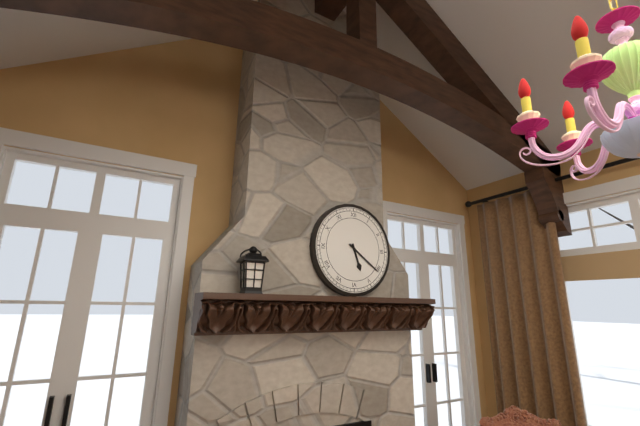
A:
5,21
